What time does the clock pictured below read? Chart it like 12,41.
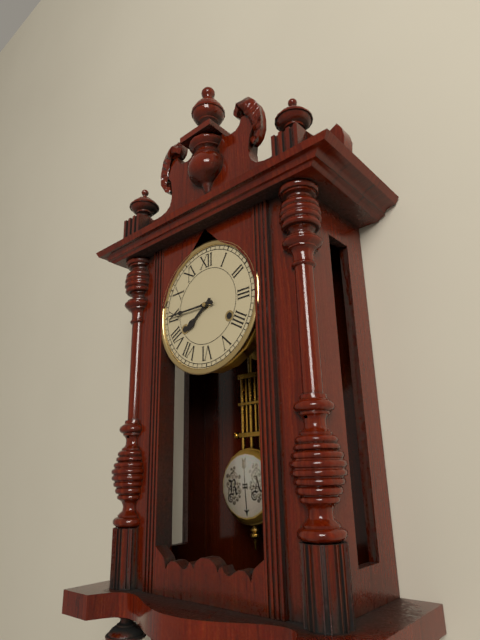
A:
7,45
